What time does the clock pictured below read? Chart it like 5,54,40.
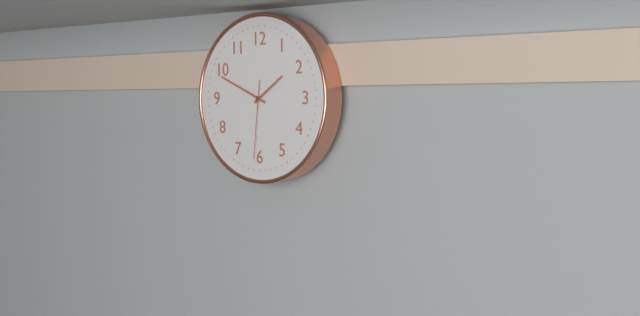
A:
1,49,31
